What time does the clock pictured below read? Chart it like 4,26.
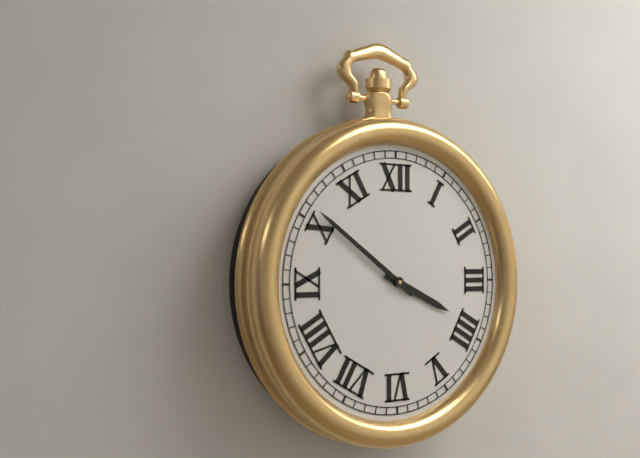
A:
3,51
